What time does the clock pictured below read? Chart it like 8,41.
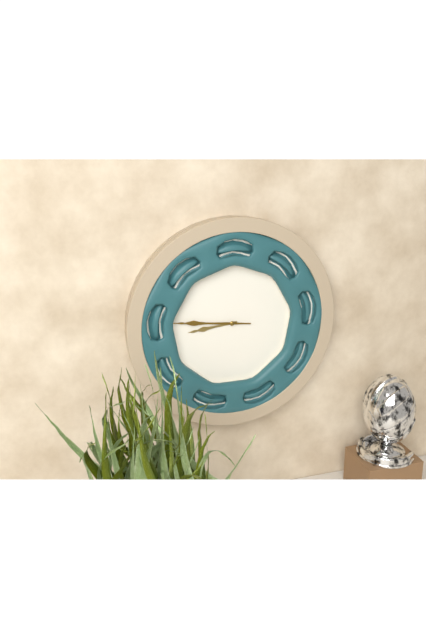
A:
8,46
